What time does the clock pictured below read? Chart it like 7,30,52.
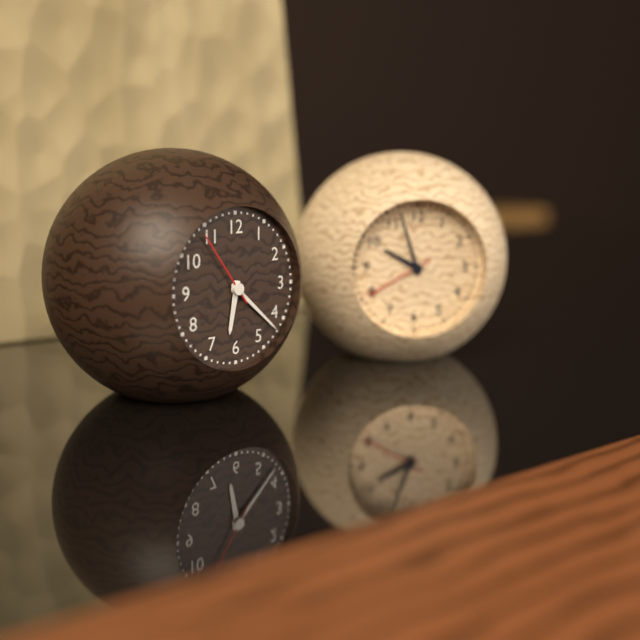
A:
6,22,54
